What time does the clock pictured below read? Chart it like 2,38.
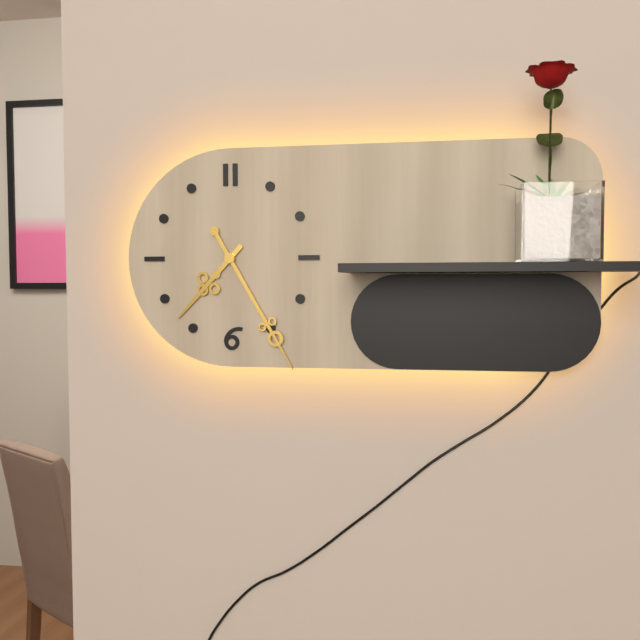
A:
7,25
